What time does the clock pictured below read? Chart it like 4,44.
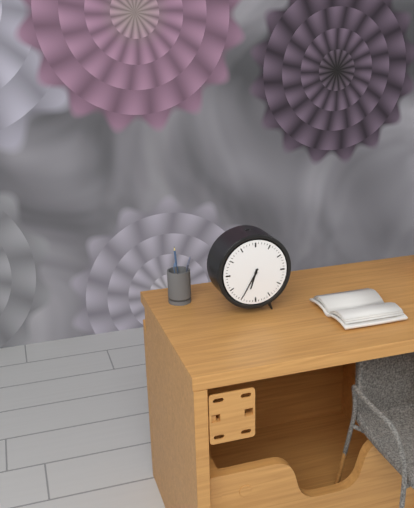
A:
6,35
